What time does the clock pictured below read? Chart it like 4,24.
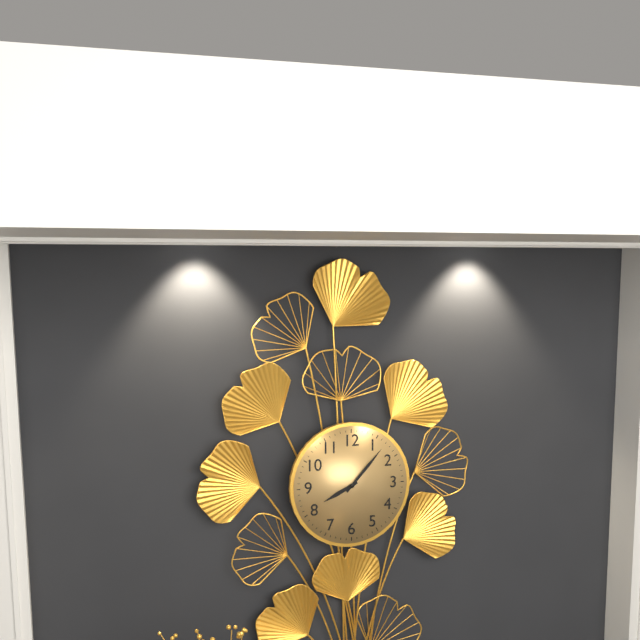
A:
8,07
